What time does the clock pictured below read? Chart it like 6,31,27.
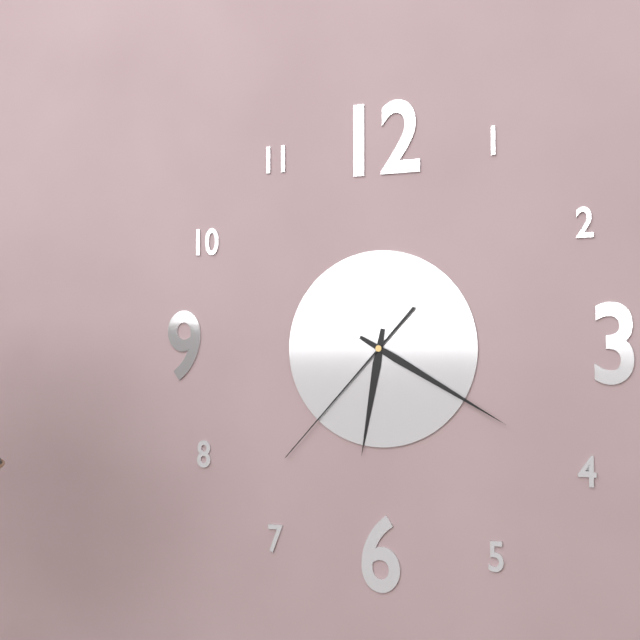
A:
6,20,37
